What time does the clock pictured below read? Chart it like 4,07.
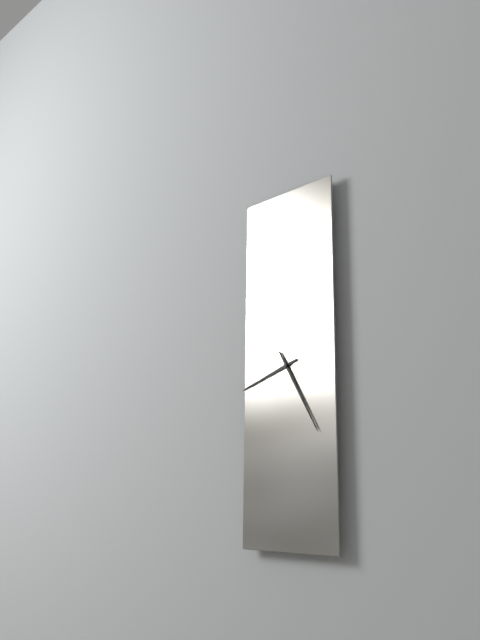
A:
8,25
